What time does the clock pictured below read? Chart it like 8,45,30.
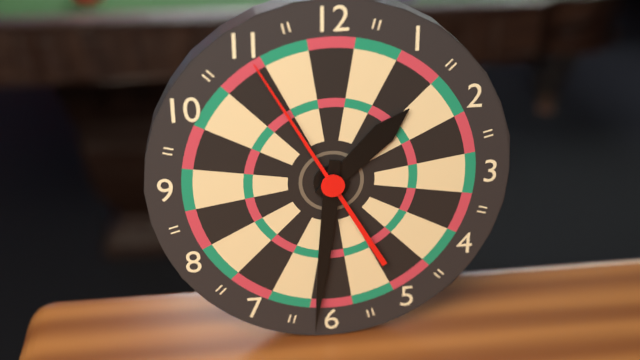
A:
1,31,55
